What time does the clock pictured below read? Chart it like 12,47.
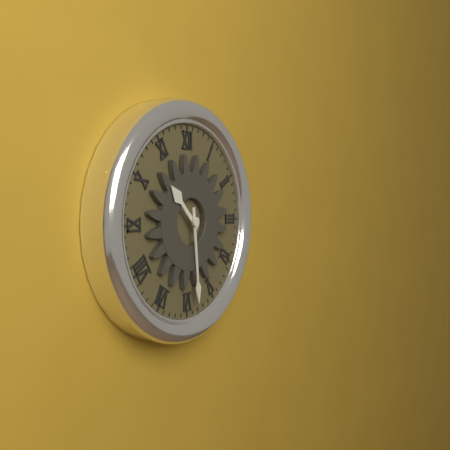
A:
10,29
